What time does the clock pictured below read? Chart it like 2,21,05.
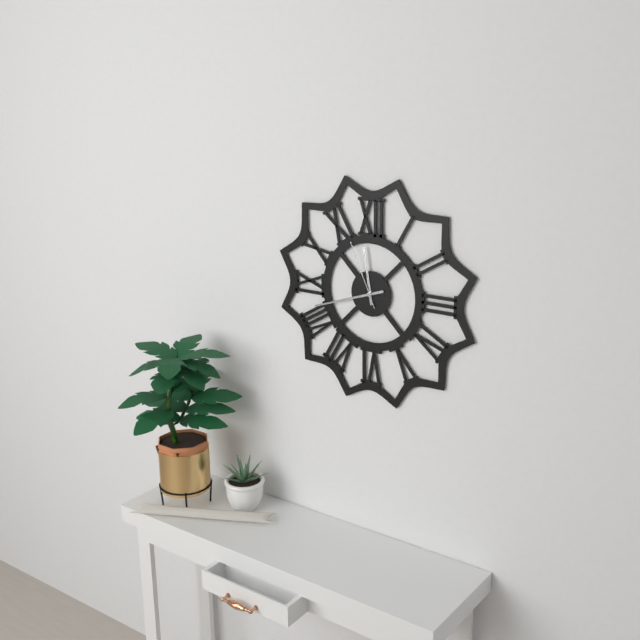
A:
11,42,56
